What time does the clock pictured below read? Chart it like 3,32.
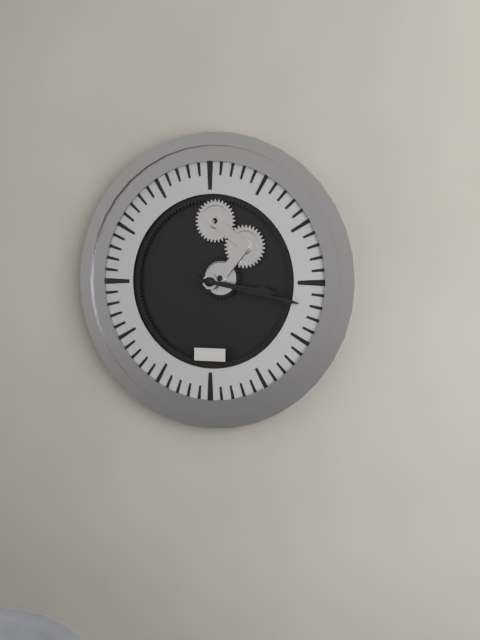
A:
3,17
